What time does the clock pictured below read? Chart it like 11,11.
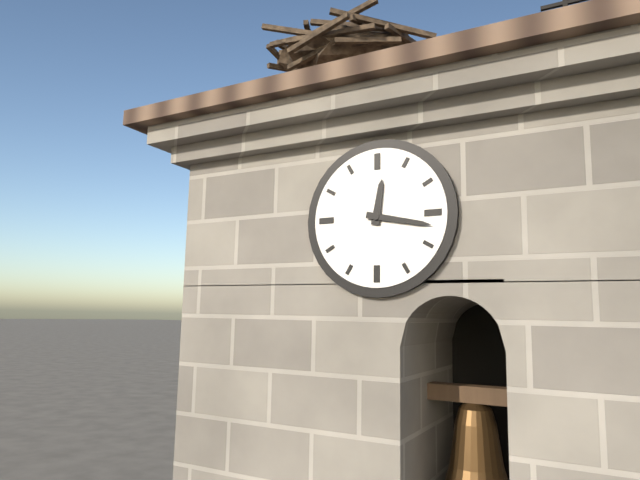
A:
12,17
